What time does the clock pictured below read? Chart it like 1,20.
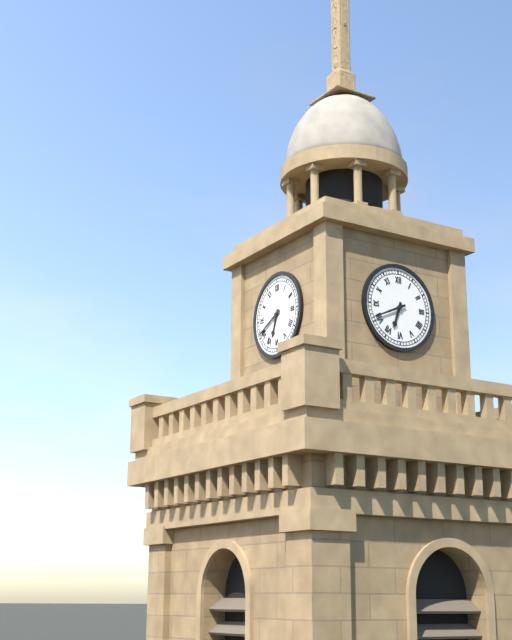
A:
6,41
